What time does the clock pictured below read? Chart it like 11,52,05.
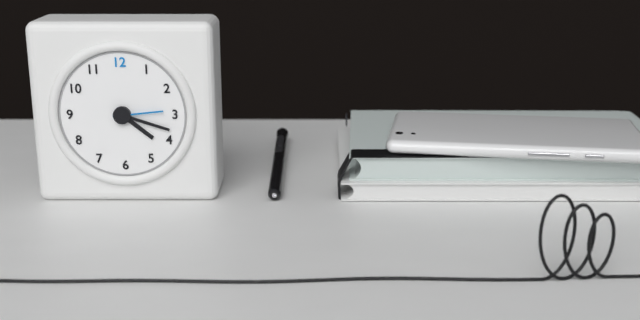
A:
4,18,14
